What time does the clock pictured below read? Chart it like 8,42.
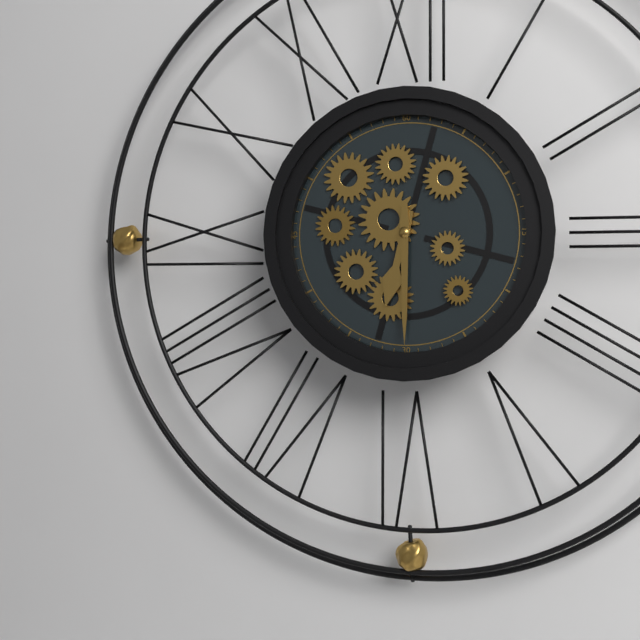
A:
6,30
